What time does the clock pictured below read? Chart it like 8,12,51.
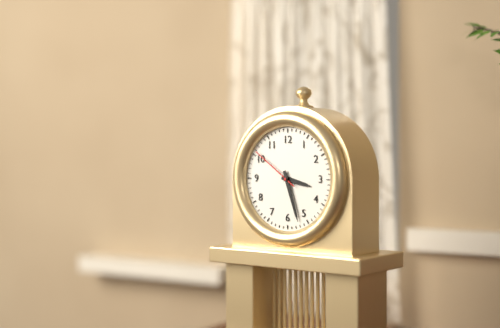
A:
3,27,51
